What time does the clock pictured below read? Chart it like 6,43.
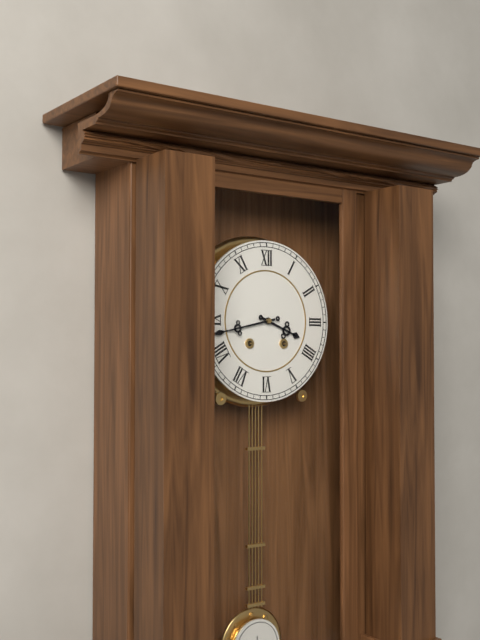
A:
3,43
